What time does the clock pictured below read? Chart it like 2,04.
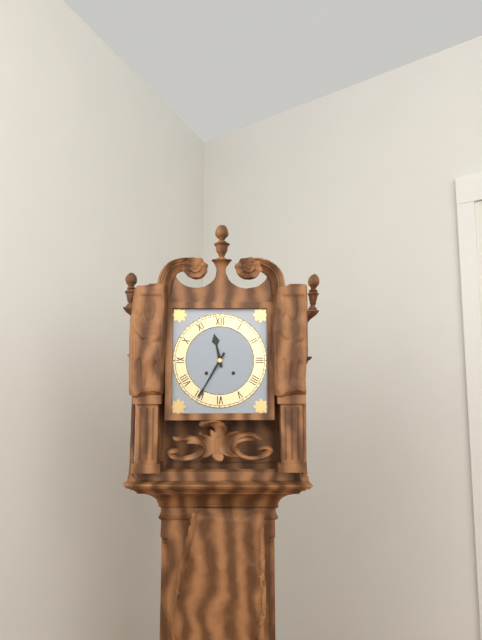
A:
11,35
